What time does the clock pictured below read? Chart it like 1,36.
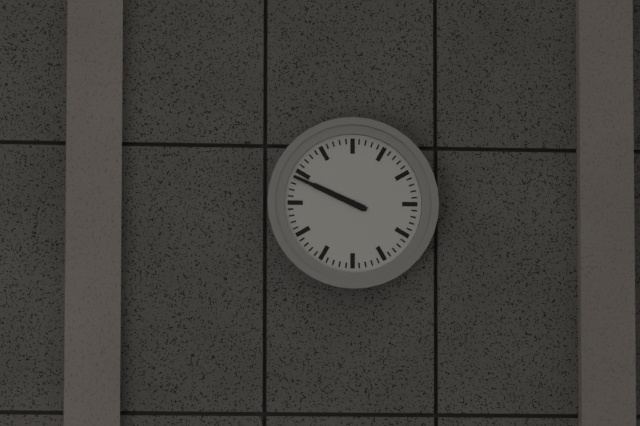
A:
9,49
